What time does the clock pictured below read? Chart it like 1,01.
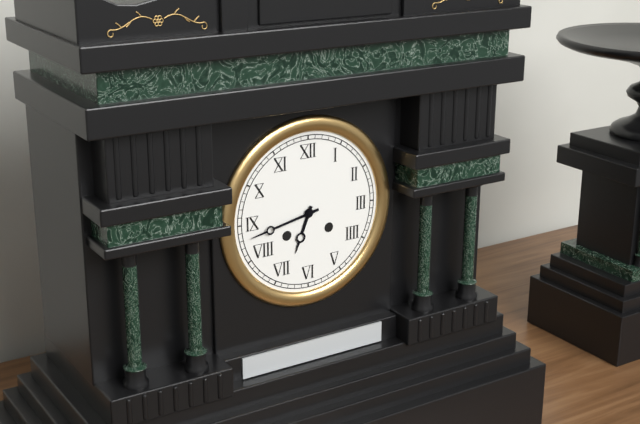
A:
6,43
